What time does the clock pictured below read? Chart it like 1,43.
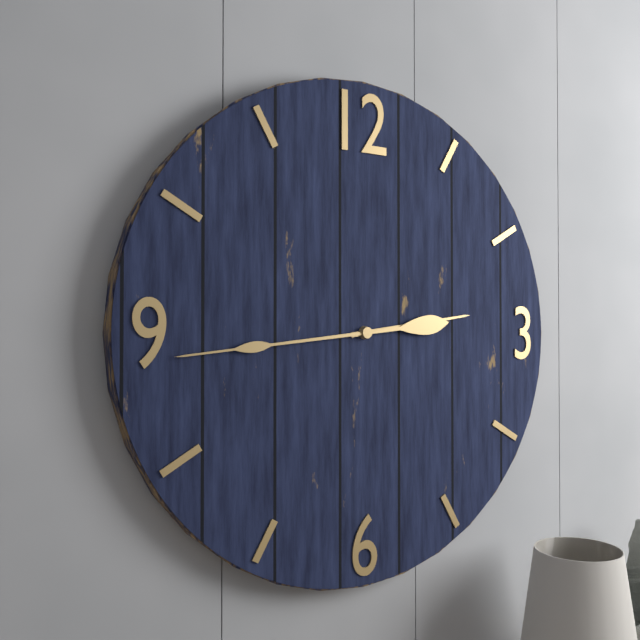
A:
2,44
